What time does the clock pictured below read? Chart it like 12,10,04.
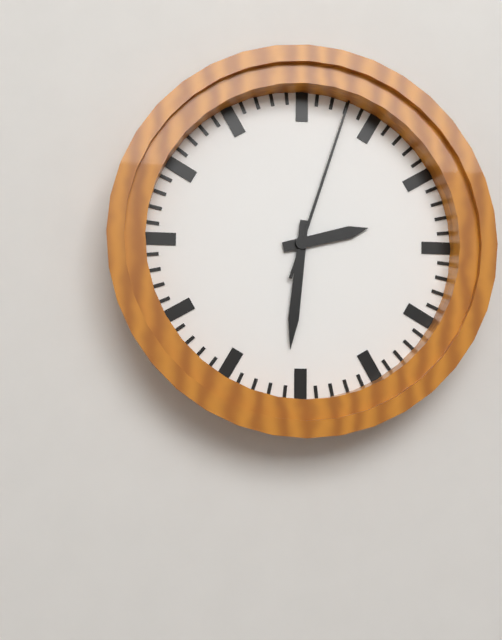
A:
2,31,03
